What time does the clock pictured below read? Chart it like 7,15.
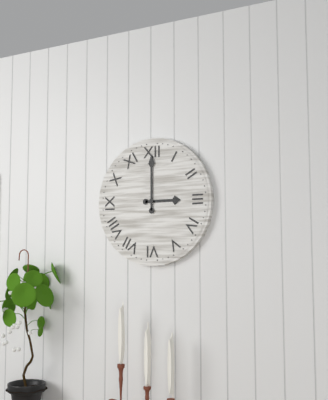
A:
3,00
